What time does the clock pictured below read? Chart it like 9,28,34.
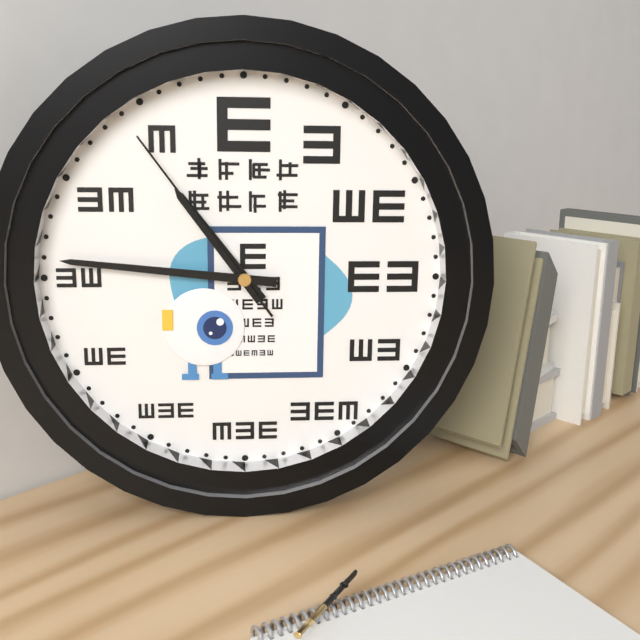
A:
10,46,54
